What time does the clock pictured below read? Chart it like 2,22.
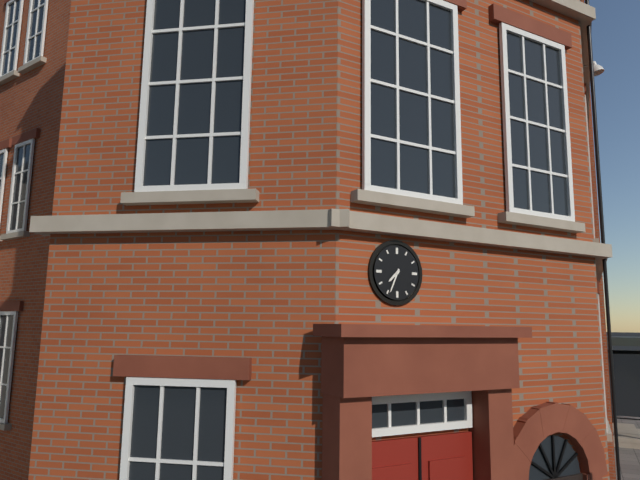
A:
7,34
